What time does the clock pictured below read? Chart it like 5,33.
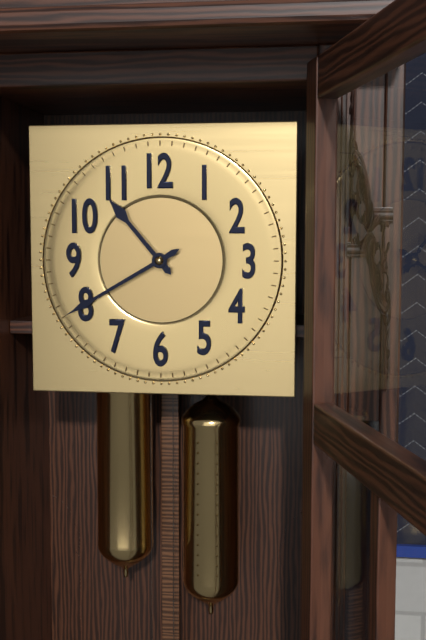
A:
10,40
